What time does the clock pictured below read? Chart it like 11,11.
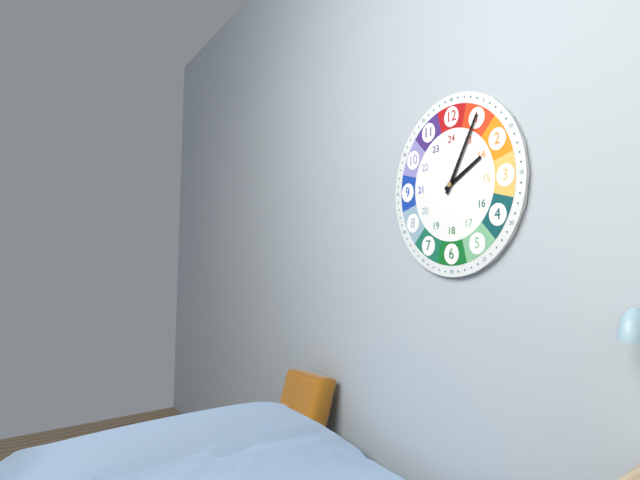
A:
2,05
